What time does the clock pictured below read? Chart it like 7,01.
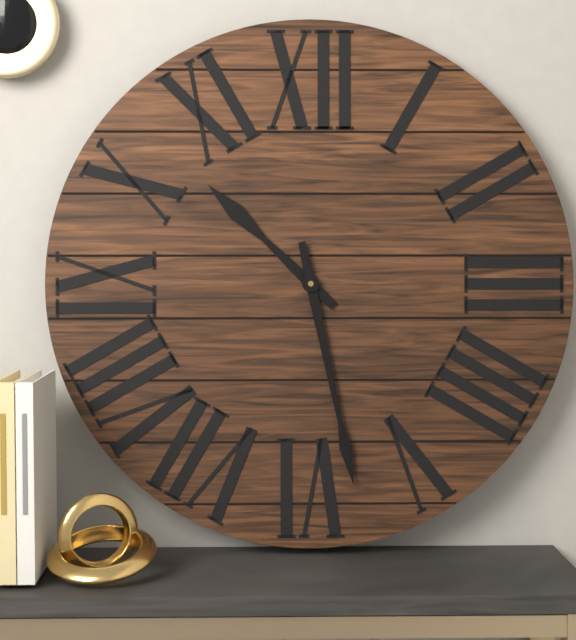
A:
10,28
